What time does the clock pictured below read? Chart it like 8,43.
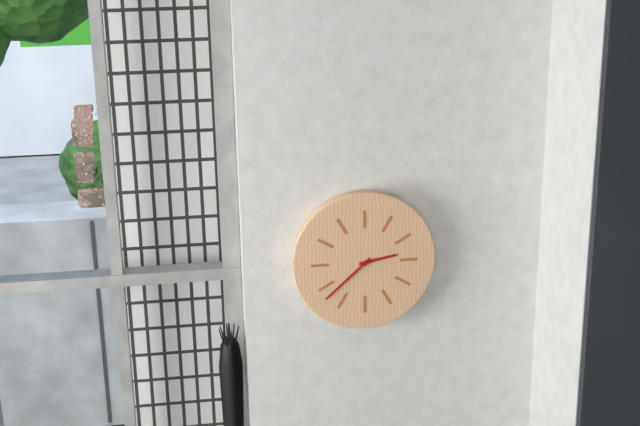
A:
2,38
